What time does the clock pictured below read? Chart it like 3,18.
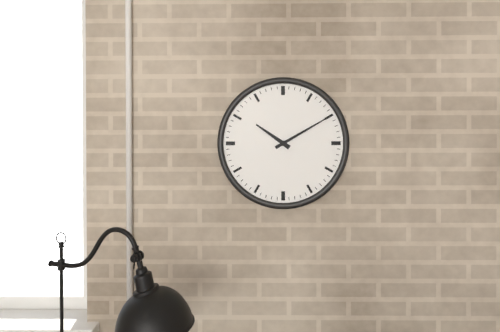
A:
10,10
